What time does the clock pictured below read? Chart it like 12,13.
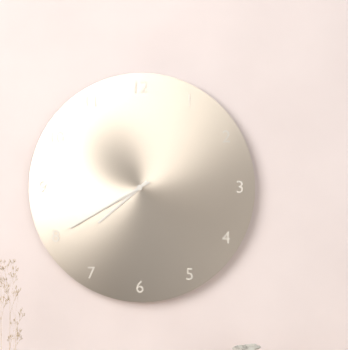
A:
7,40
